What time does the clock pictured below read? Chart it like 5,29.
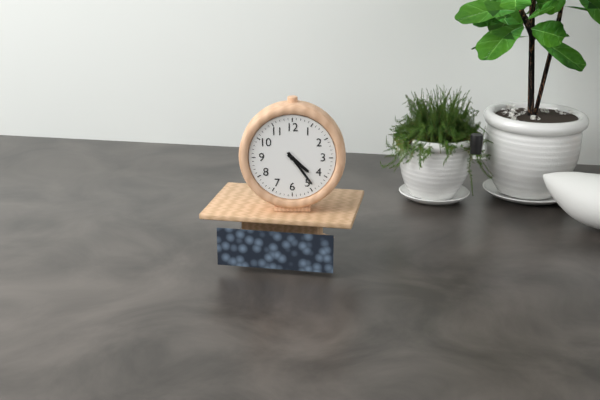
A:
4,24
